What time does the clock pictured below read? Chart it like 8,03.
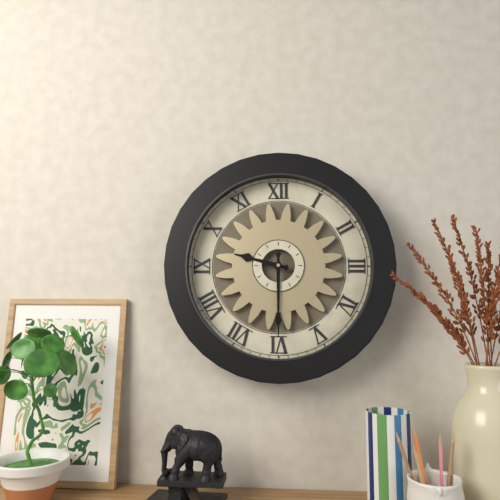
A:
9,30
